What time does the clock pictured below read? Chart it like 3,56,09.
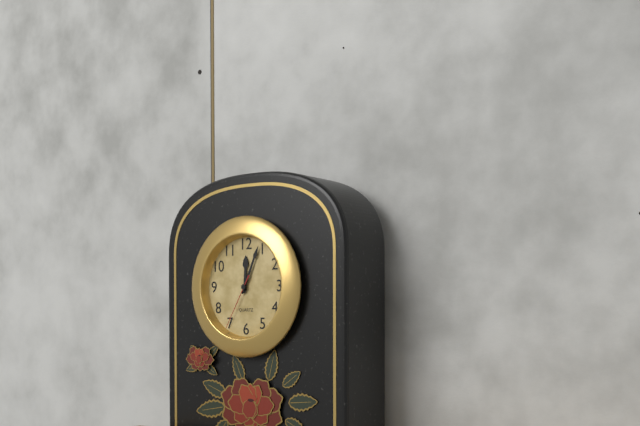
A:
12,04,35
